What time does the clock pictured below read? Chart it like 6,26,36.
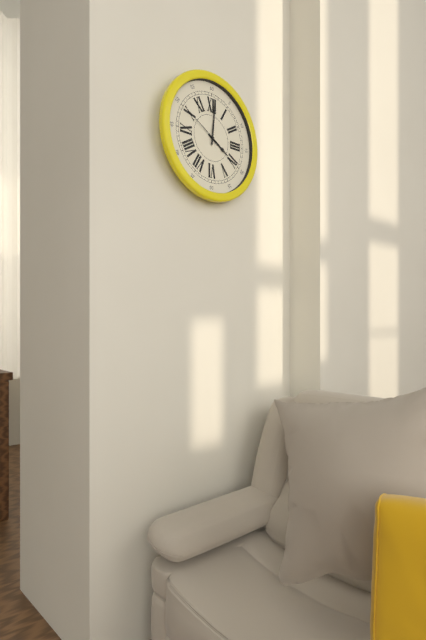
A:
4,01,50
